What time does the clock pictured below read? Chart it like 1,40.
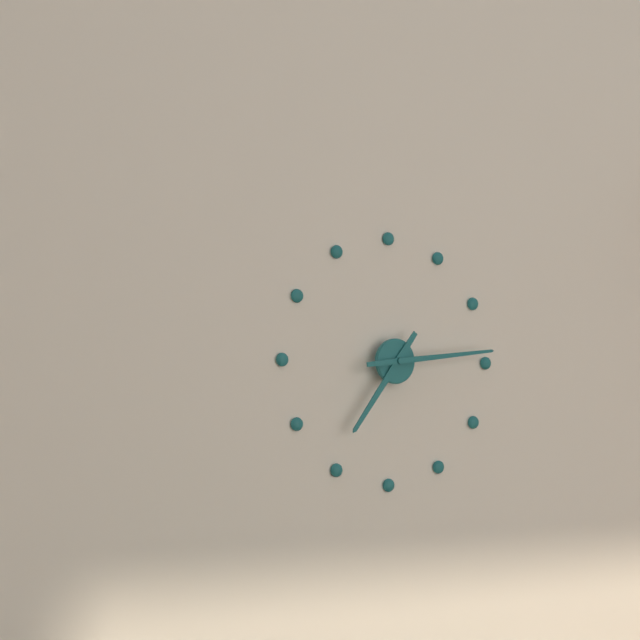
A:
7,14
